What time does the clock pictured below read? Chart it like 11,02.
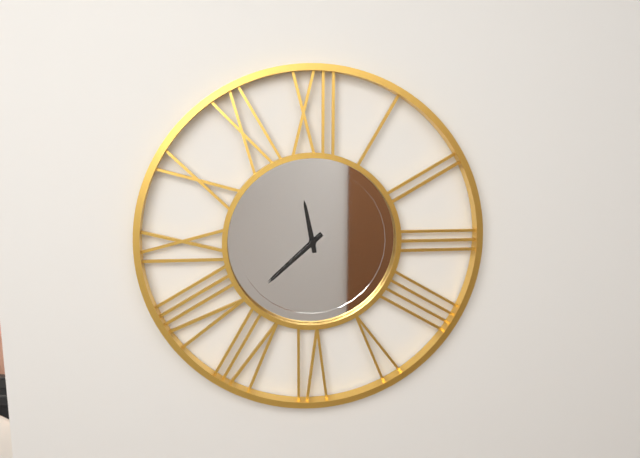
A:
11,38
